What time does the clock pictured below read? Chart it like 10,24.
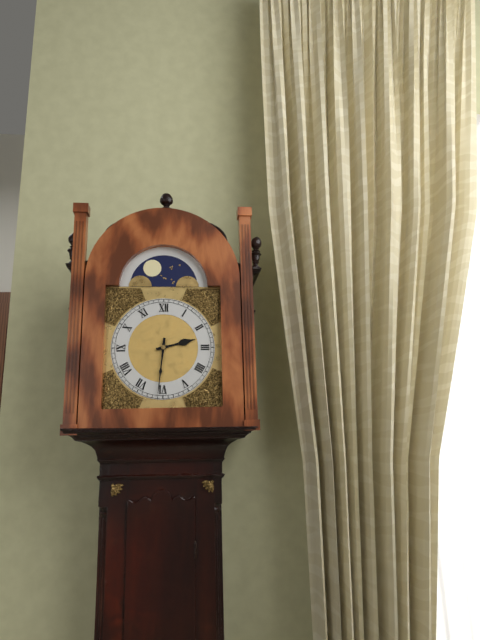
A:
2,31
